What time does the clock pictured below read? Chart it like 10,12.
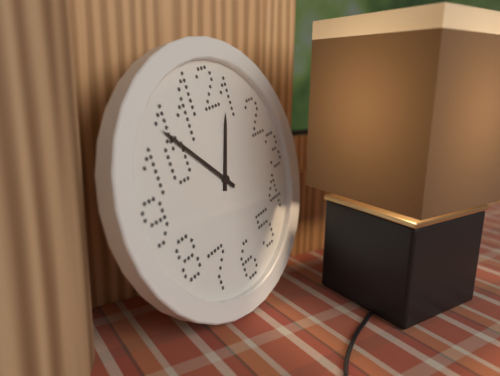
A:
12,53
